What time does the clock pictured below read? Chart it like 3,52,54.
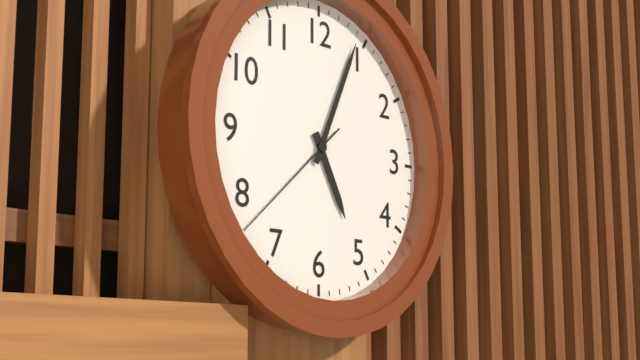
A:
5,04,38
